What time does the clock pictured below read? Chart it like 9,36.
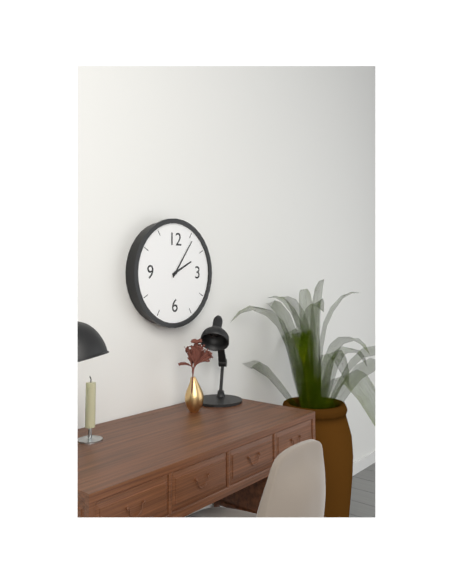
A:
2,06
